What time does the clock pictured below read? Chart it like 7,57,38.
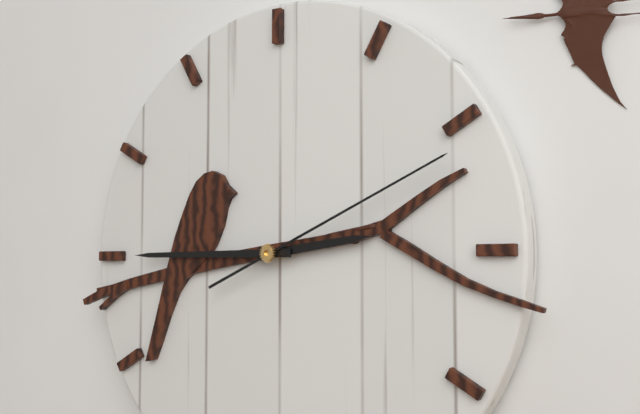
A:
2,45,11
